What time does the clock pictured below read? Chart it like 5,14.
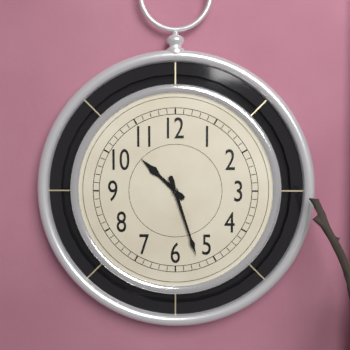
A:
10,27
